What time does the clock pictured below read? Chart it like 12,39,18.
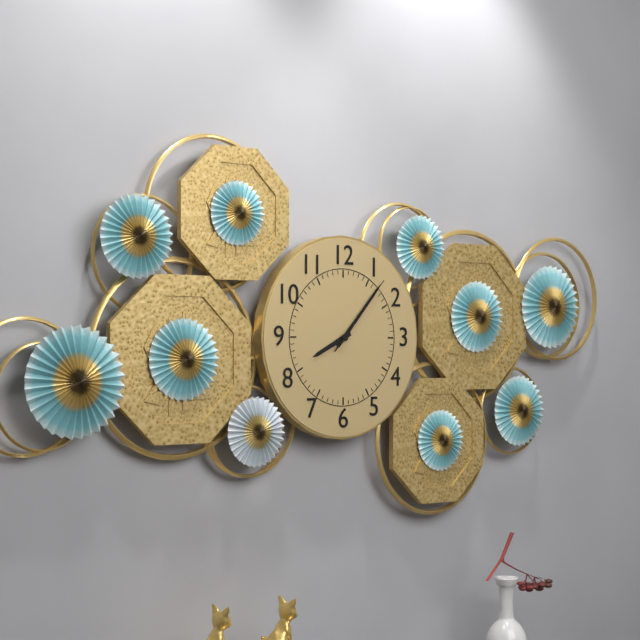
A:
8,07,07
